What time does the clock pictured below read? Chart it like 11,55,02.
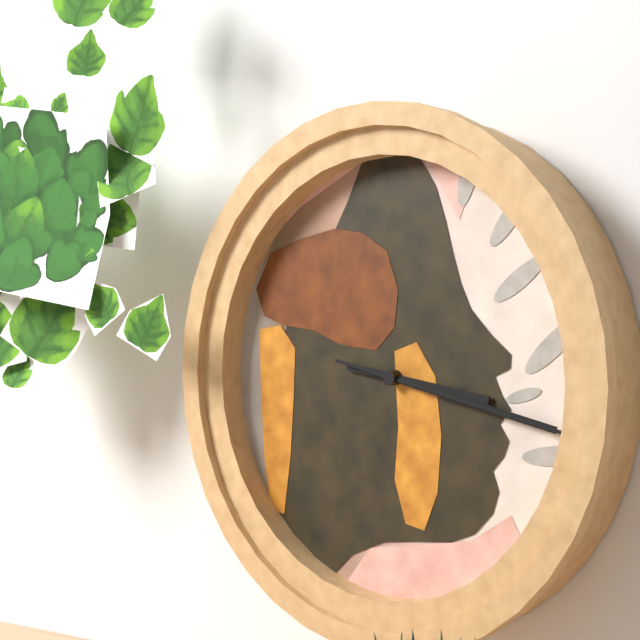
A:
3,17,17
